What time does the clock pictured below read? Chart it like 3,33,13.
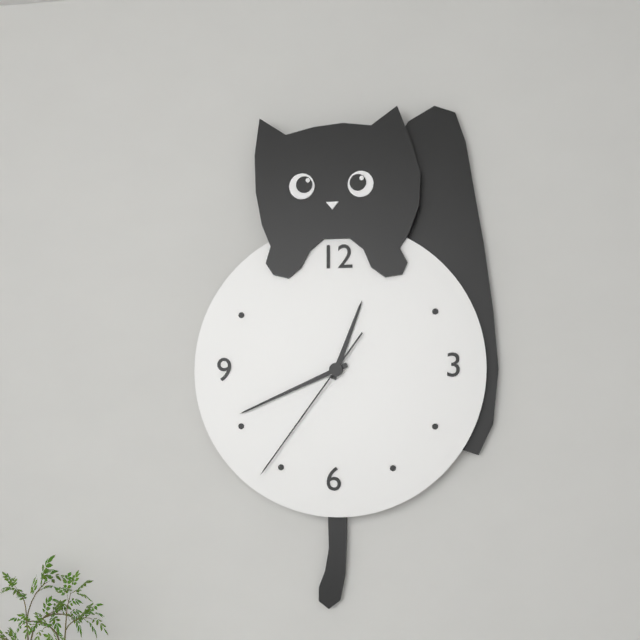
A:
12,41,36
